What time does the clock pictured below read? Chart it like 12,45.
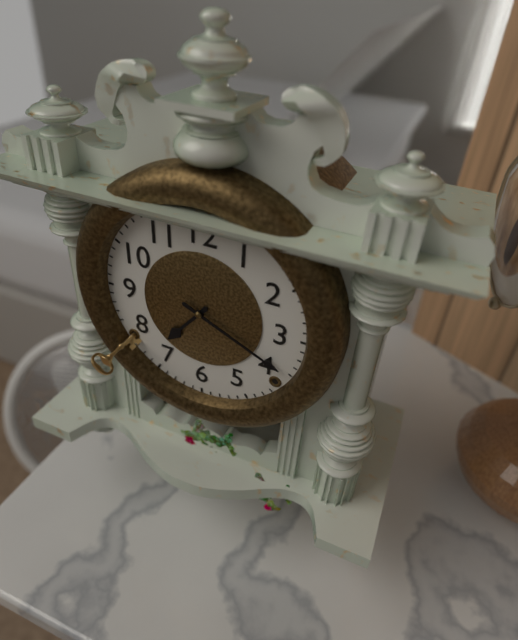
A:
7,19
